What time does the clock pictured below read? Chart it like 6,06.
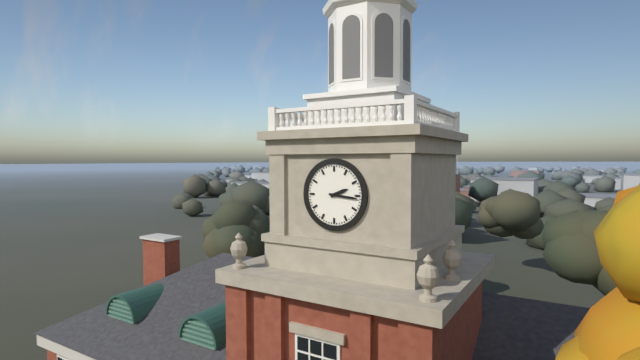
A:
2,16
